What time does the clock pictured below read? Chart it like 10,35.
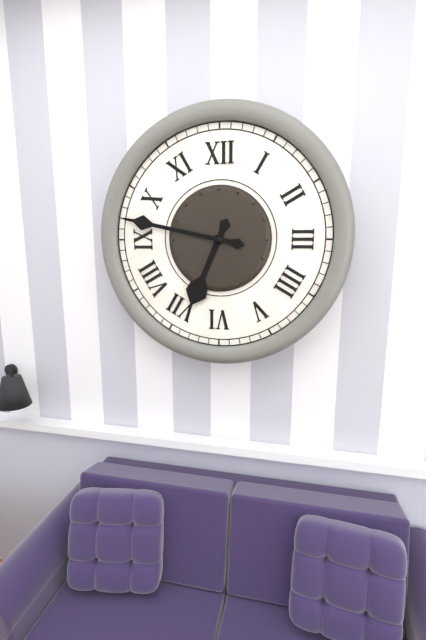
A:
6,47
